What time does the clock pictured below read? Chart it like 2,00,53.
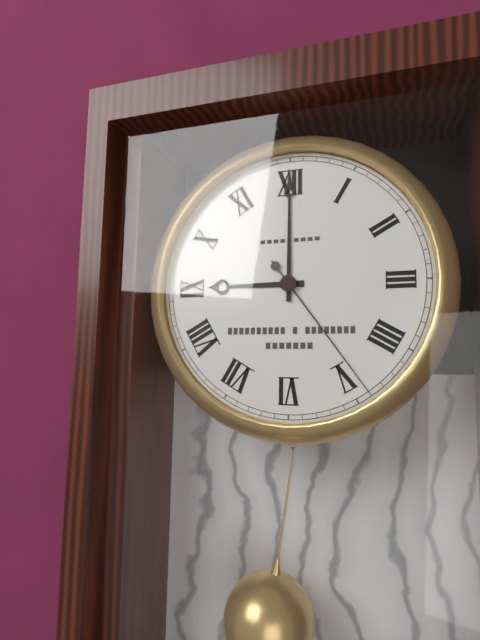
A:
9,00,24
